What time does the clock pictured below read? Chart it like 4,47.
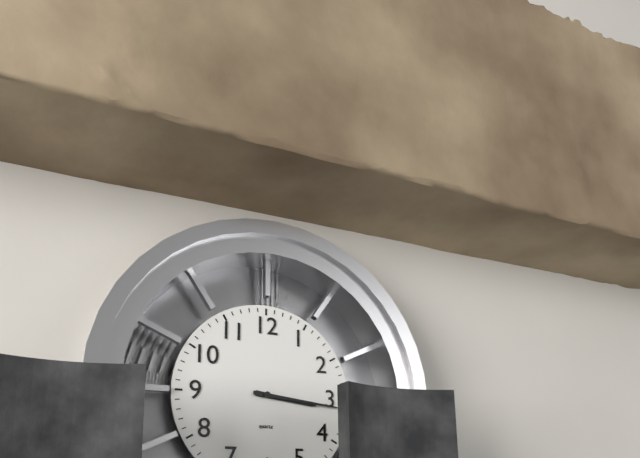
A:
3,16
